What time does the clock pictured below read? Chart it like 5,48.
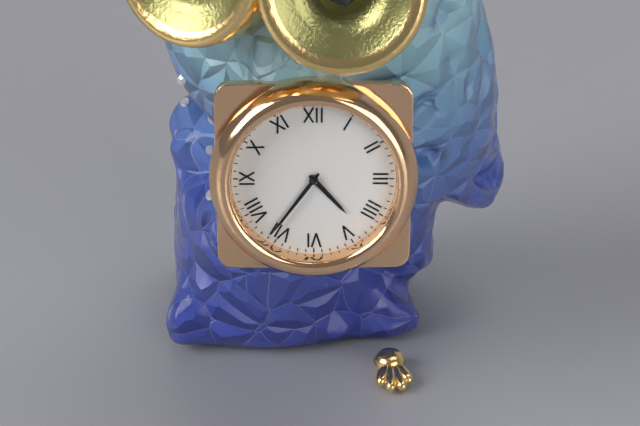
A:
4,36
